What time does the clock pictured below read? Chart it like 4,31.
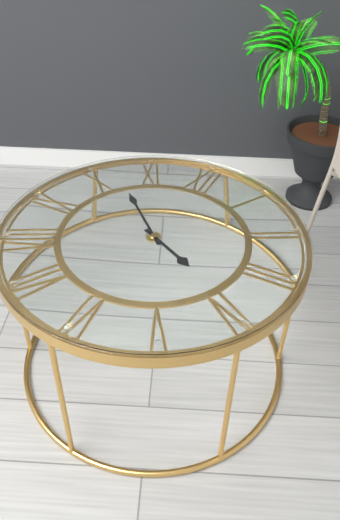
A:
3,52
